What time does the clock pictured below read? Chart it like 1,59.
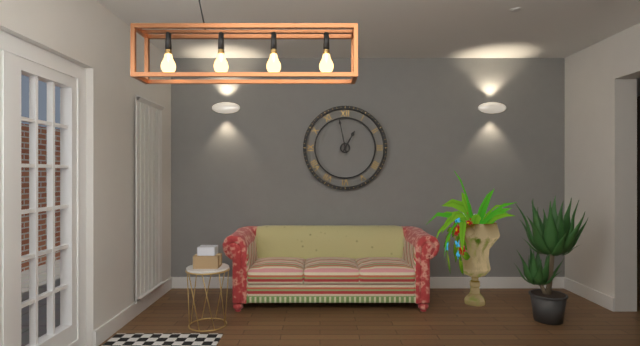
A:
12,58
